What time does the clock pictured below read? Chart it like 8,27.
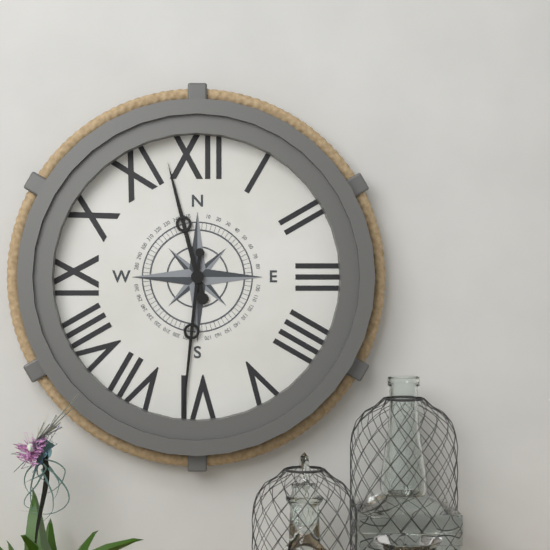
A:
11,31
